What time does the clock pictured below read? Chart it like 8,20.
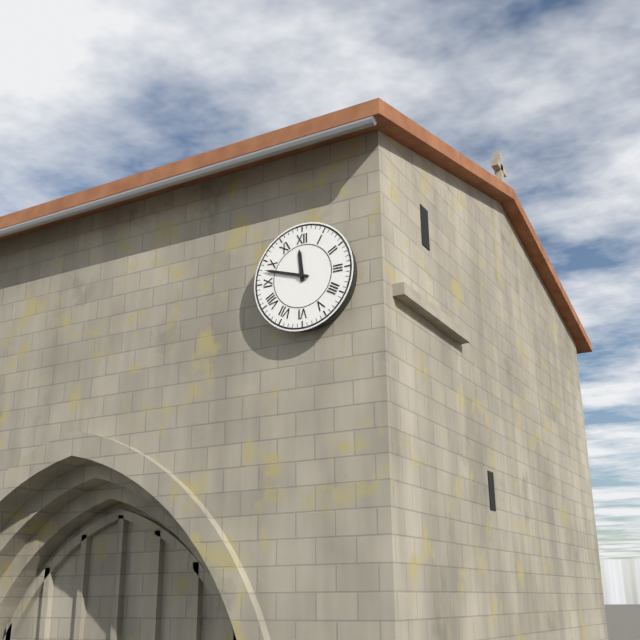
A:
11,48
